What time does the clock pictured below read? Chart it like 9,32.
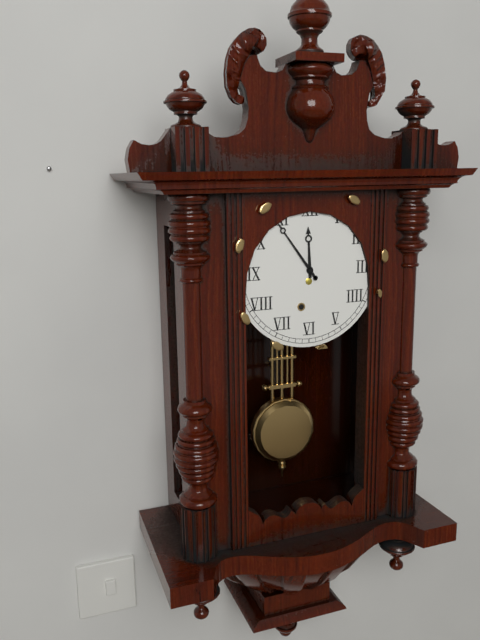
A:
11,54
